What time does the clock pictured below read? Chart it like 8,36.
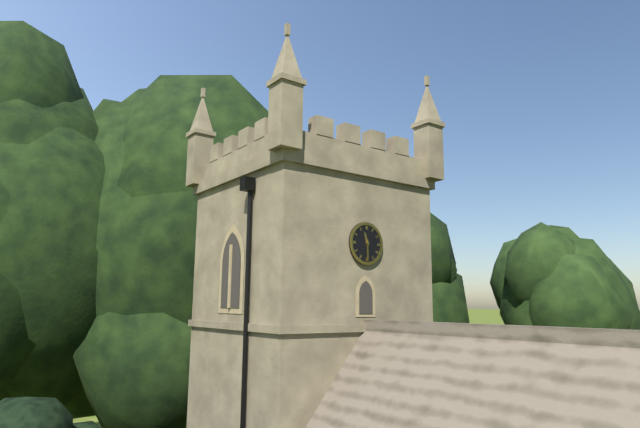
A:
11,30
